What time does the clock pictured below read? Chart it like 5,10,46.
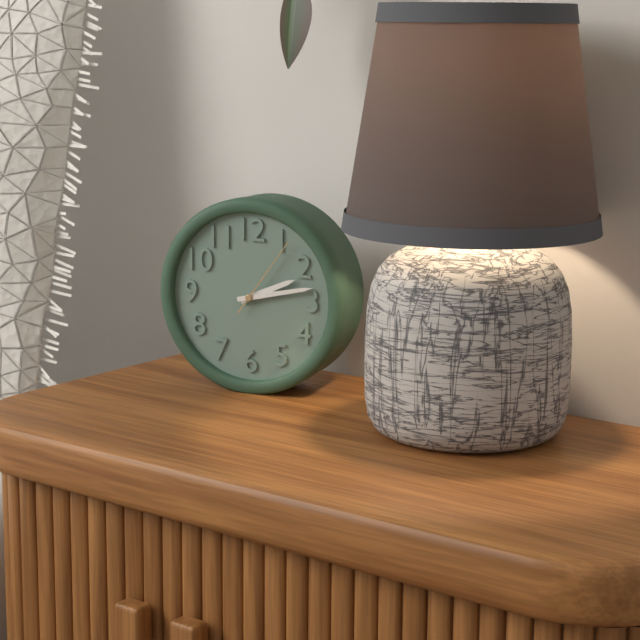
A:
2,13,06
